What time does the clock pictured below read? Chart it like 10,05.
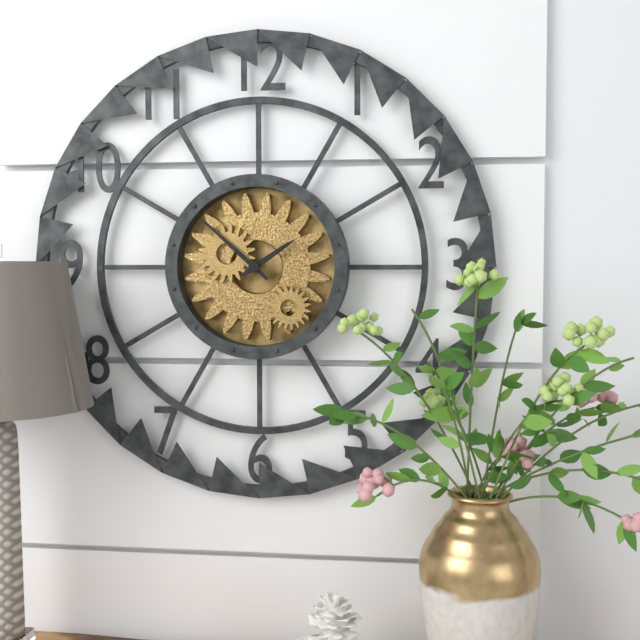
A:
1,52
